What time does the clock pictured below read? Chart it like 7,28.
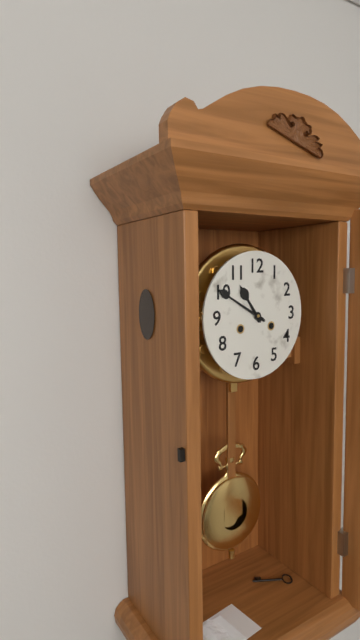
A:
10,50
